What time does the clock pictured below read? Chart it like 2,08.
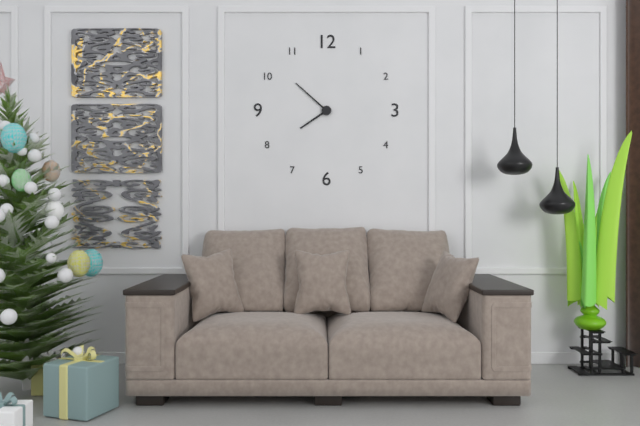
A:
7,52
